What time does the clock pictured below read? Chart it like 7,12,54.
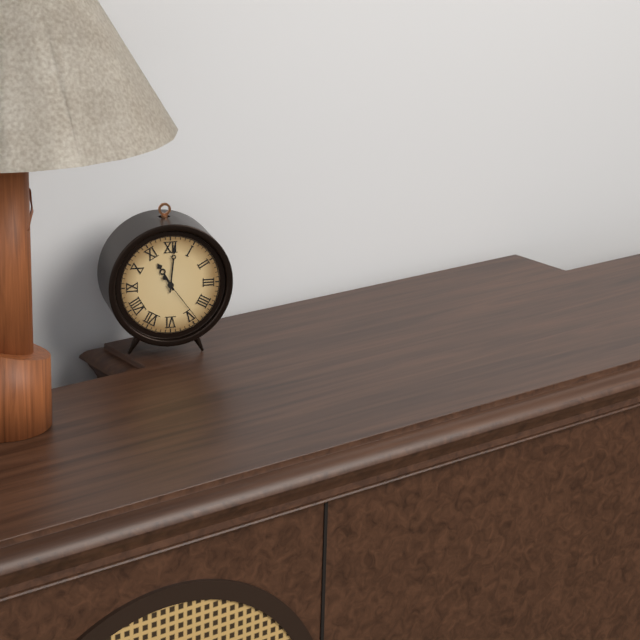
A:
11,01,24
